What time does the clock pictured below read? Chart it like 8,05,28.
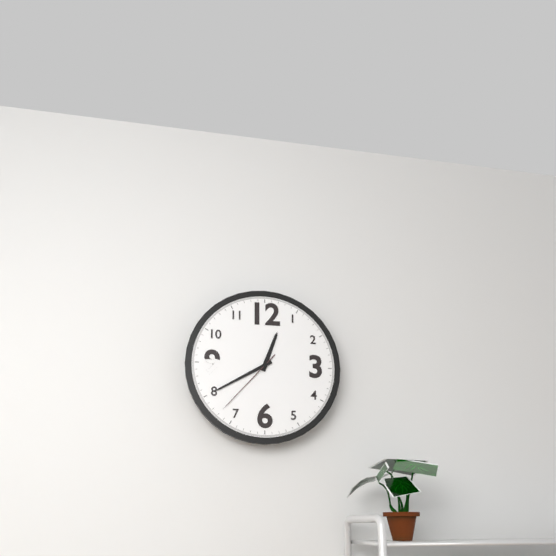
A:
12,40,37
